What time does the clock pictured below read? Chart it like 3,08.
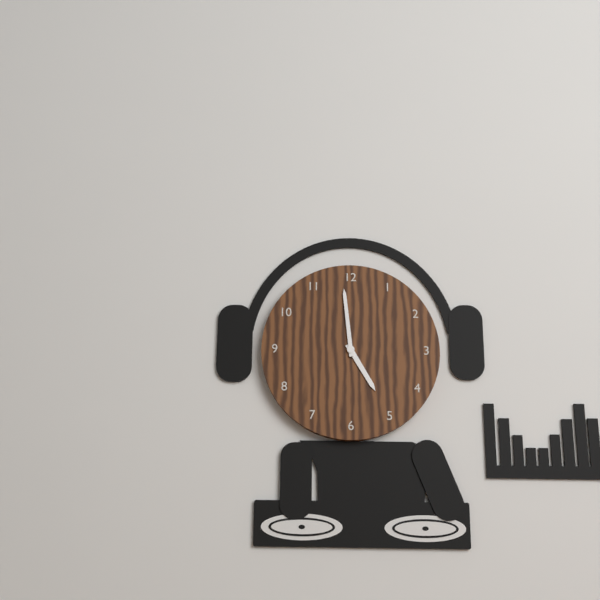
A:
4,59
